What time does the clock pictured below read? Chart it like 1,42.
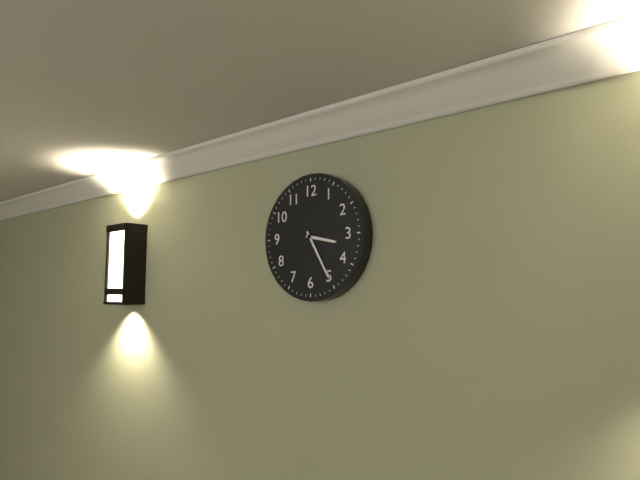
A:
3,25
